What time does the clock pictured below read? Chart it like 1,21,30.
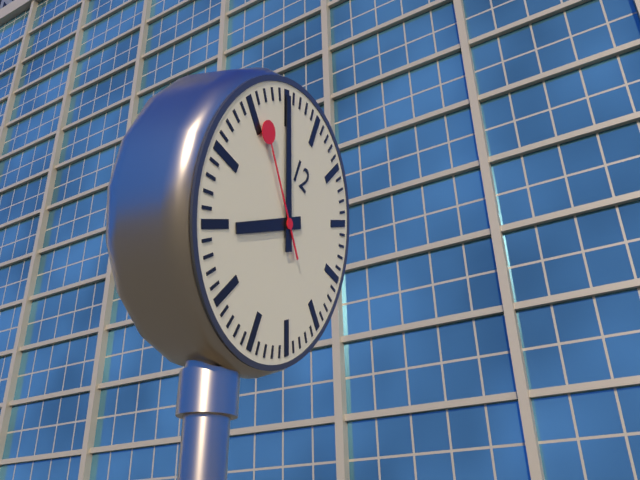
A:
7,55,51
